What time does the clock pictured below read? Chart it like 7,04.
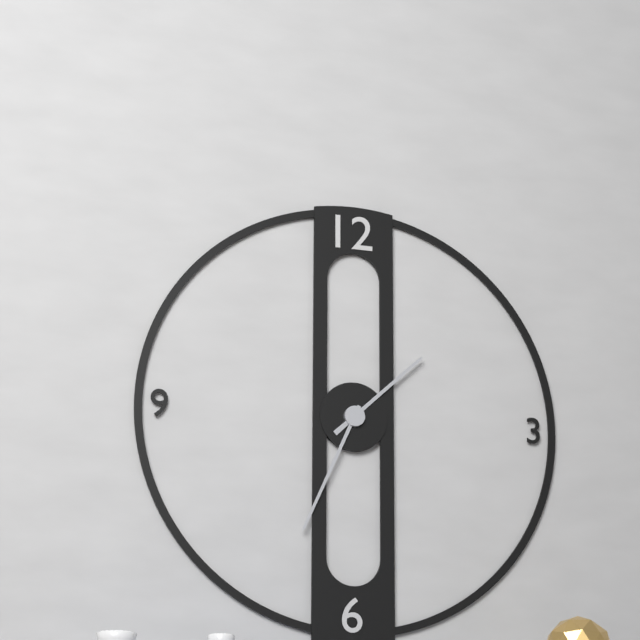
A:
1,34
